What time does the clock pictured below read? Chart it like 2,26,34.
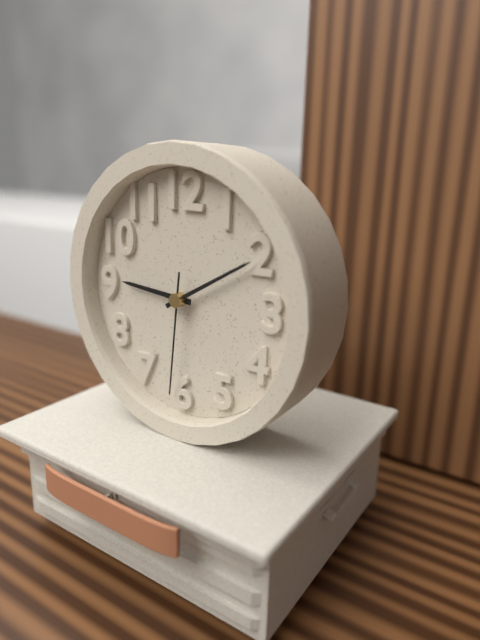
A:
9,10,31
